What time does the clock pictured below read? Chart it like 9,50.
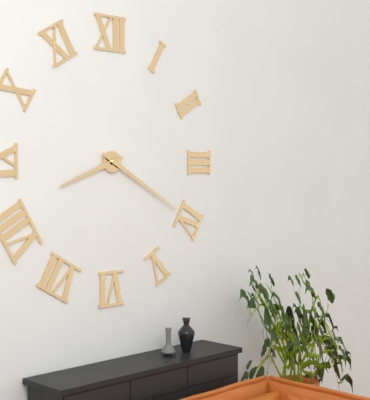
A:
8,20
